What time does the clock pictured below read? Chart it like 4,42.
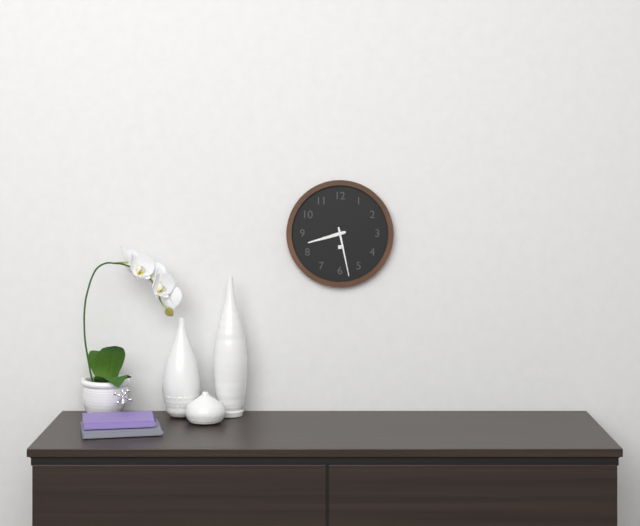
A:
8,28
